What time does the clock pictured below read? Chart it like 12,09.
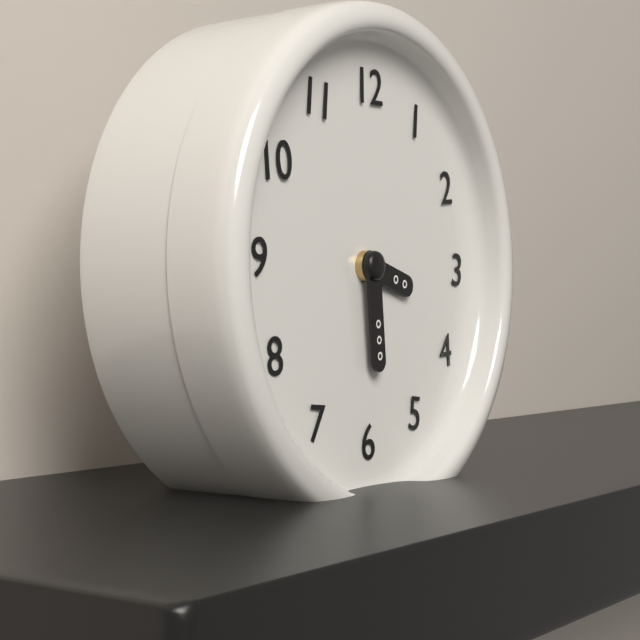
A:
3,29
